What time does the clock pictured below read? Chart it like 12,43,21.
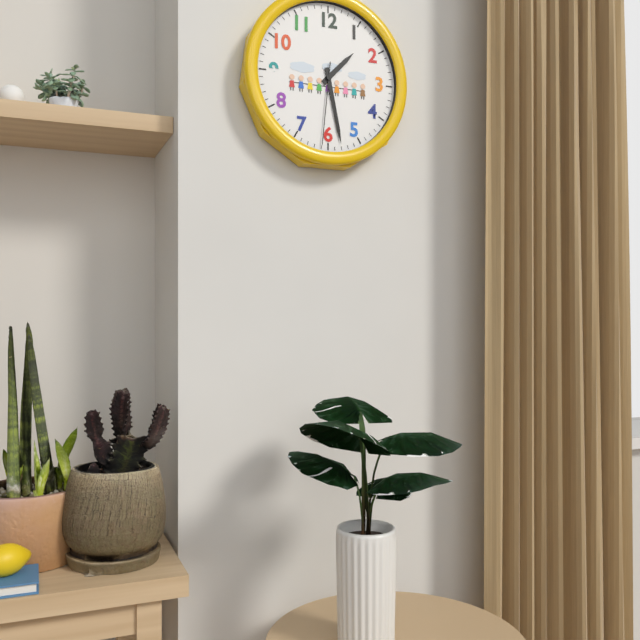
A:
1,28,31
